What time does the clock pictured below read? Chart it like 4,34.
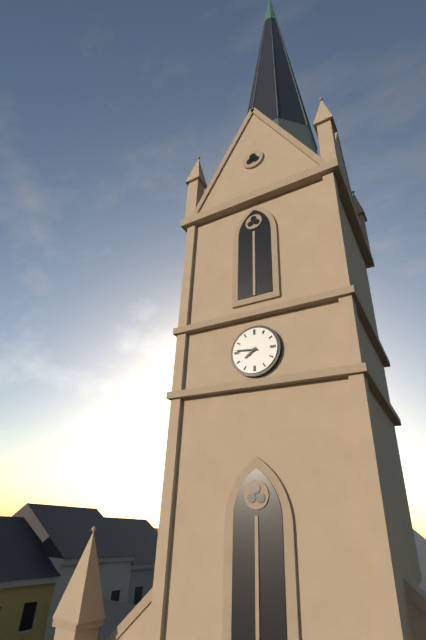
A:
7,46
